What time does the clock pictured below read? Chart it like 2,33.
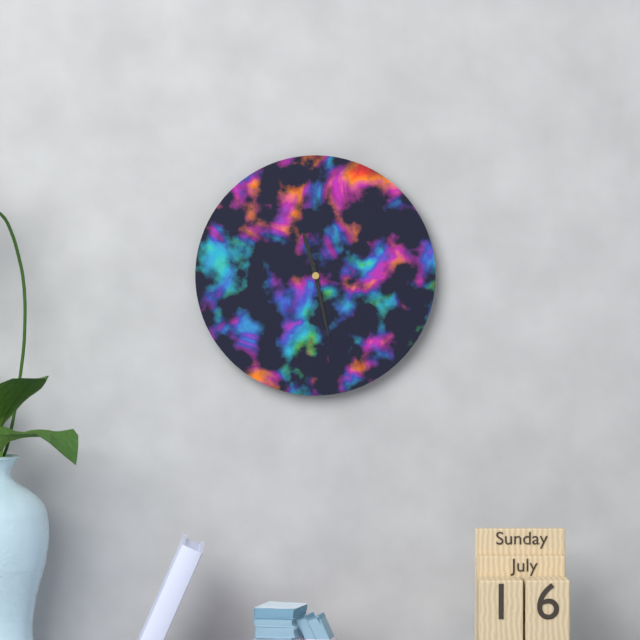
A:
11,28
